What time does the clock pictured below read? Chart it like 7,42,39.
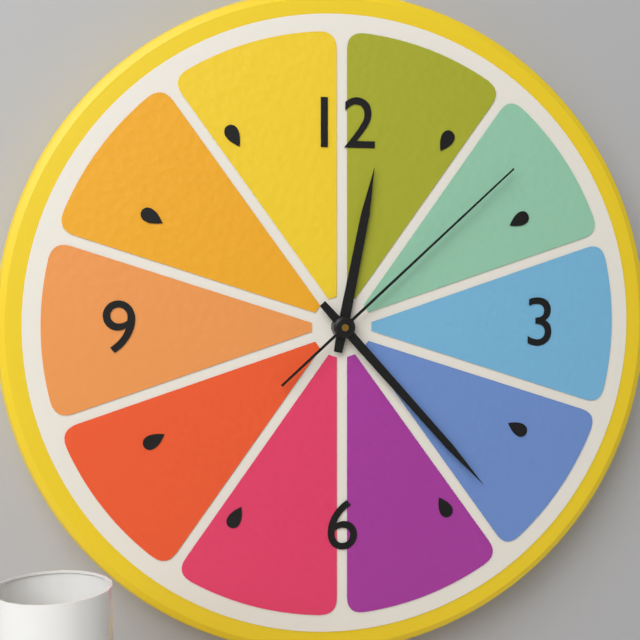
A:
12,23,08
